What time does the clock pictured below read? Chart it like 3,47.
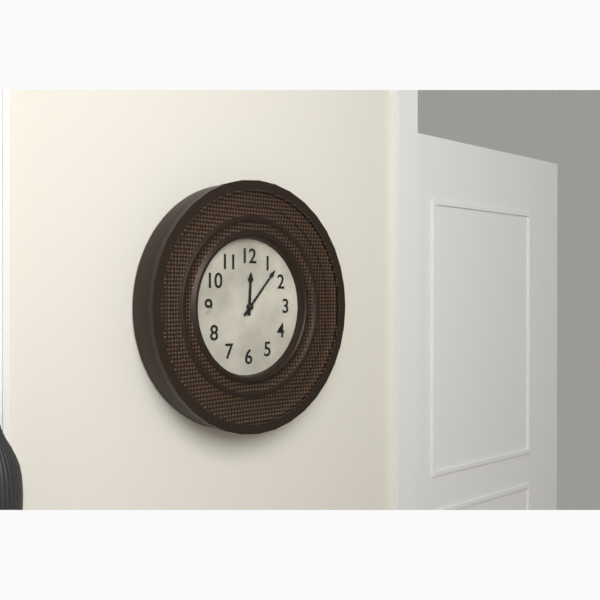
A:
12,07
